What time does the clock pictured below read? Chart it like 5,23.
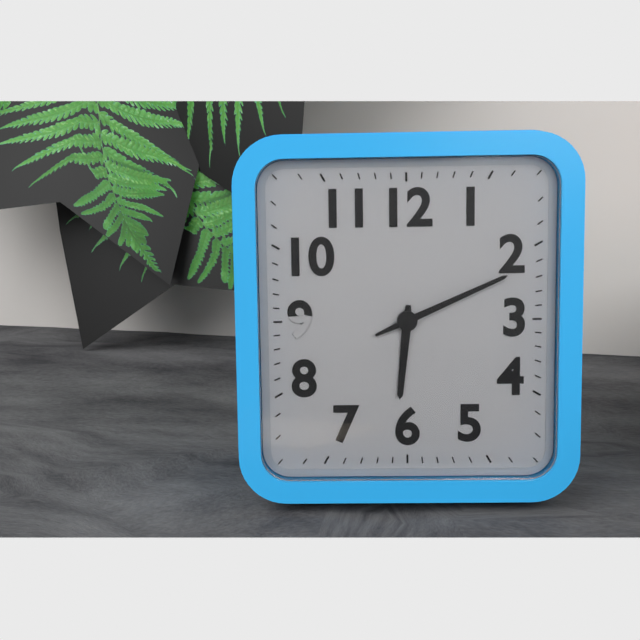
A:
6,11
